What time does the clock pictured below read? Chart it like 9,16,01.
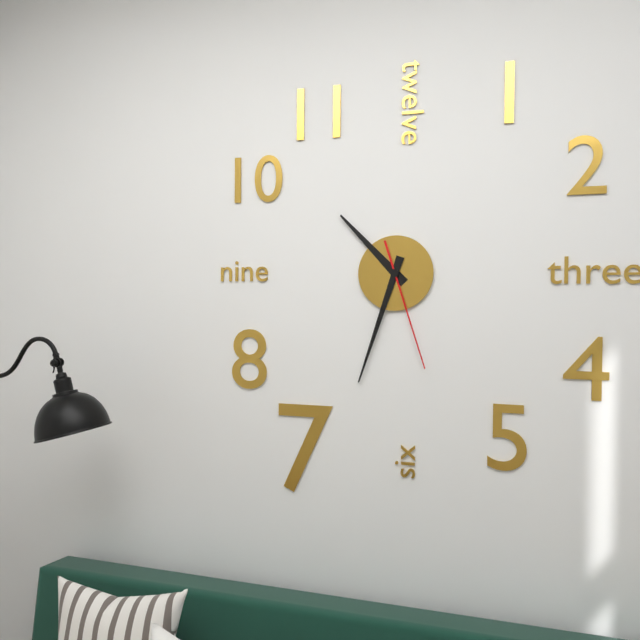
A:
10,33,27
